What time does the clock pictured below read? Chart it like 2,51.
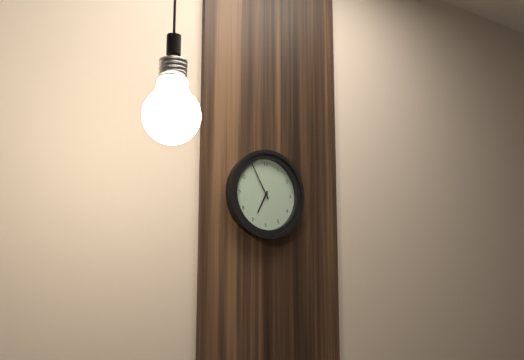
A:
6,55
